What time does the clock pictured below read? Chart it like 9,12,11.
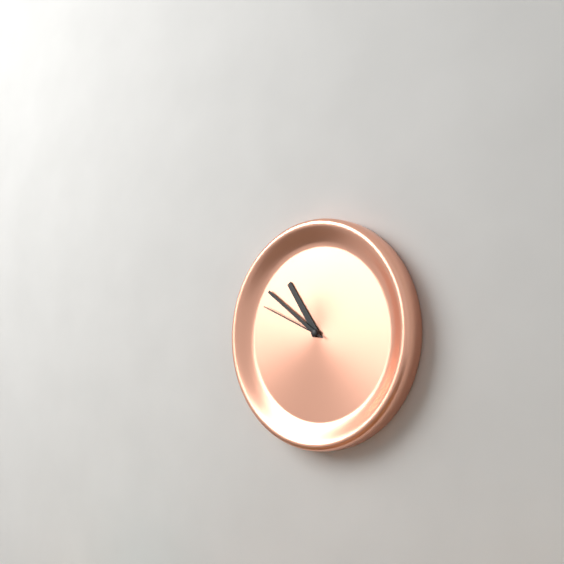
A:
10,51,49
